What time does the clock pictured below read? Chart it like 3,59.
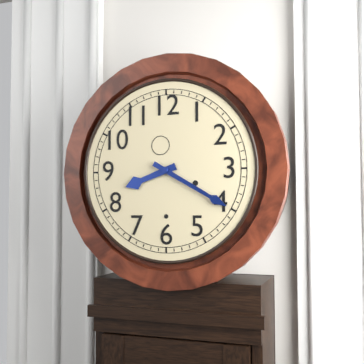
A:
8,20
